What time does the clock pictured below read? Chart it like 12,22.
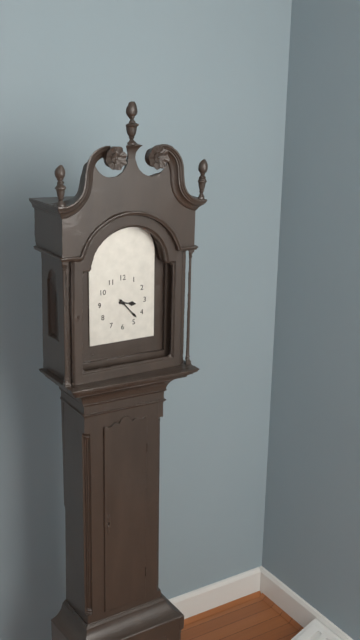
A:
3,23
